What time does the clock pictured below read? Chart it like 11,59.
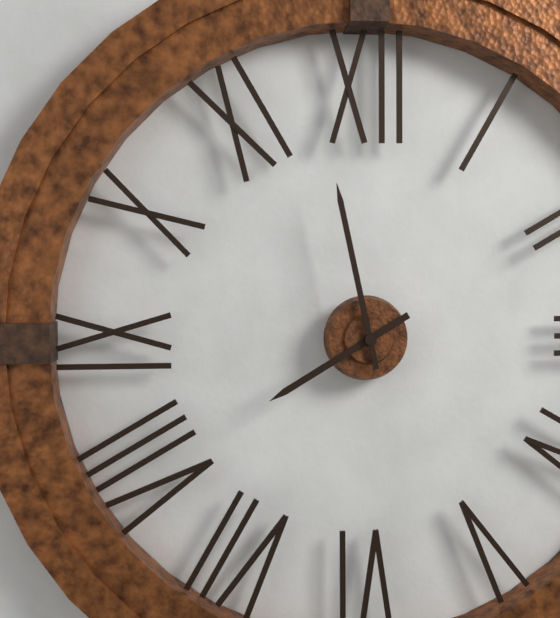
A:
7,58
